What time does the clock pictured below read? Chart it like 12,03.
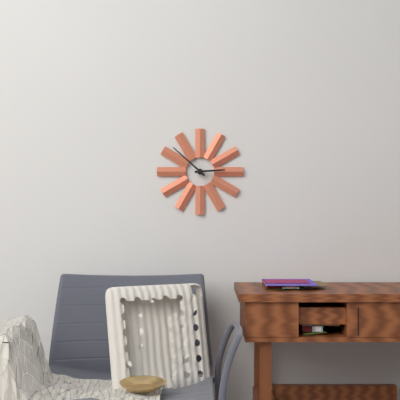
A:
2,52
